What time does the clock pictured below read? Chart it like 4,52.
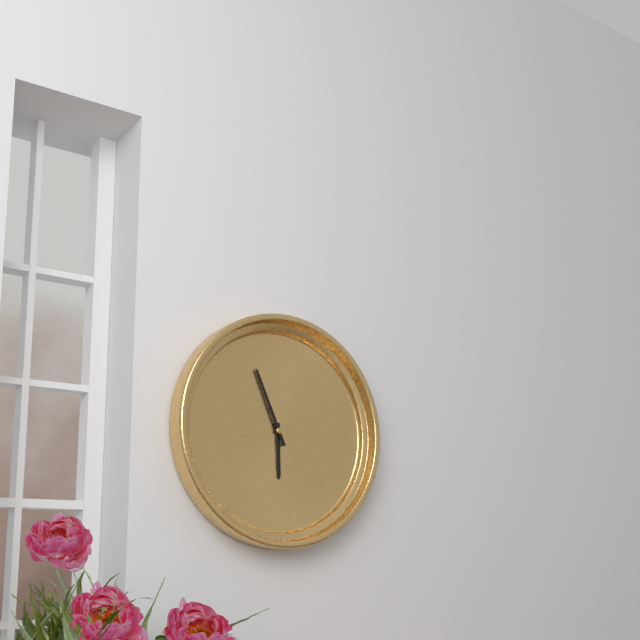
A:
5,56
